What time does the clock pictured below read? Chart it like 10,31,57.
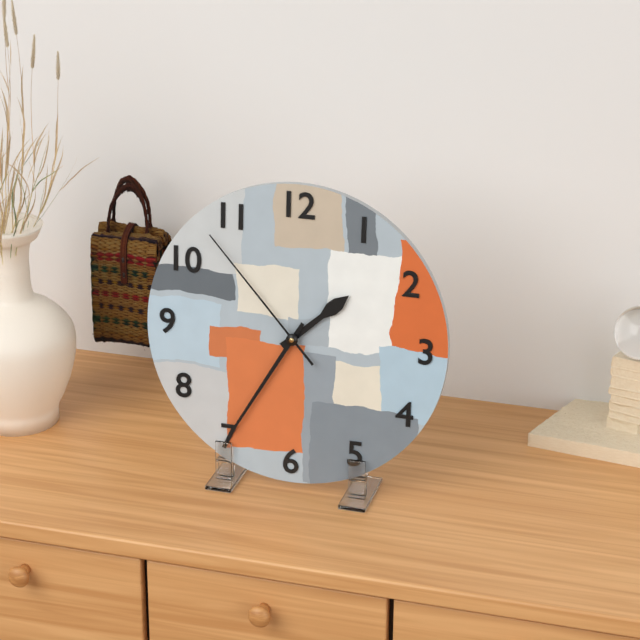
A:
1,35,53
